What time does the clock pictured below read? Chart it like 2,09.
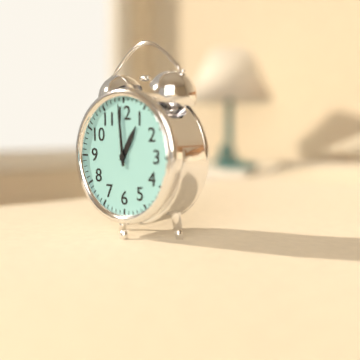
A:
12,59
